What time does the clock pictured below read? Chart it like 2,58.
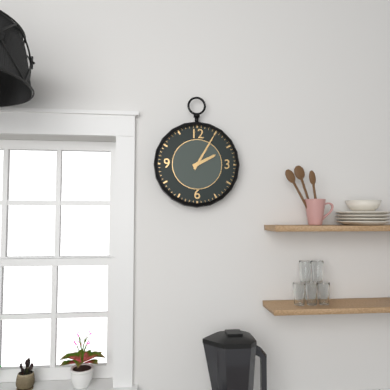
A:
2,05
